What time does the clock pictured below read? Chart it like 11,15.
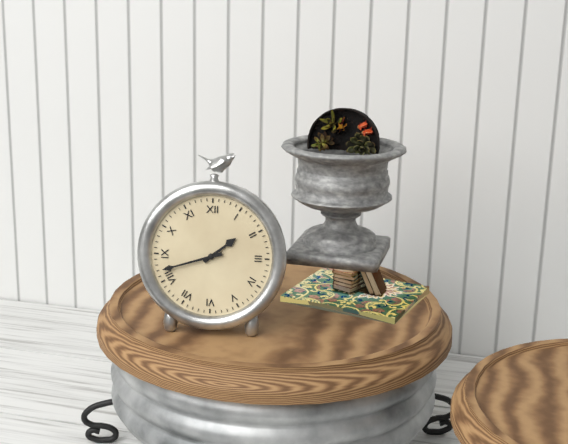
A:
1,42
